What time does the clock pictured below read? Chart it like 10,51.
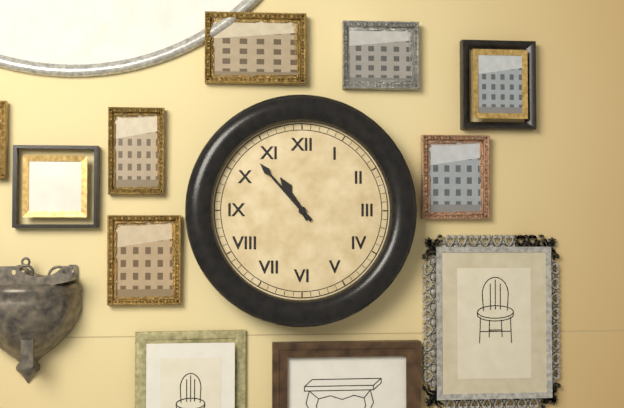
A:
10,53
